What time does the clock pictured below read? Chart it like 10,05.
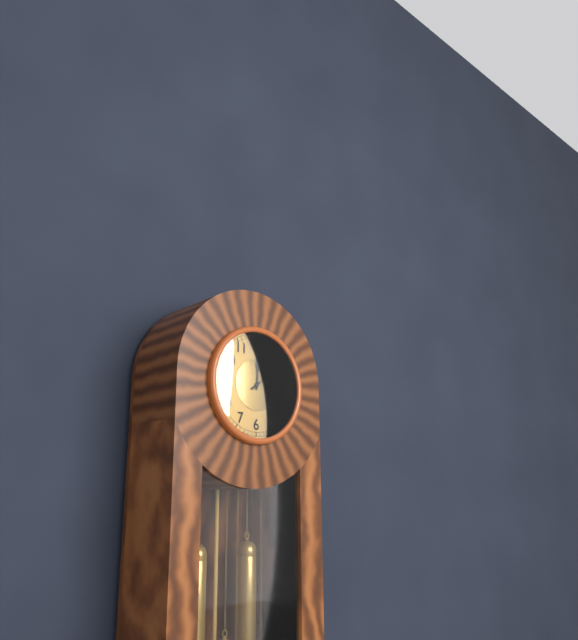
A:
12,09
